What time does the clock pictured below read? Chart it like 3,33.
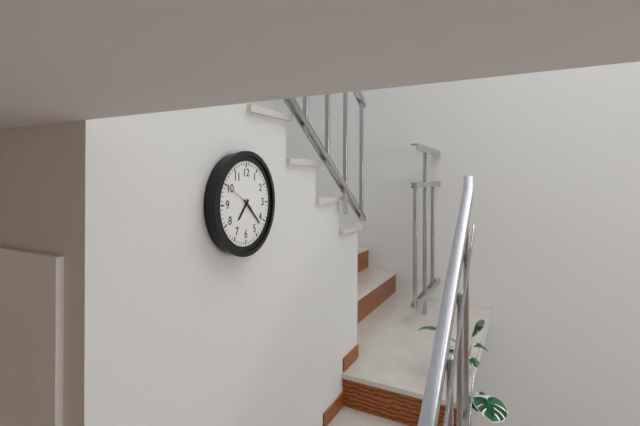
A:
7,22
